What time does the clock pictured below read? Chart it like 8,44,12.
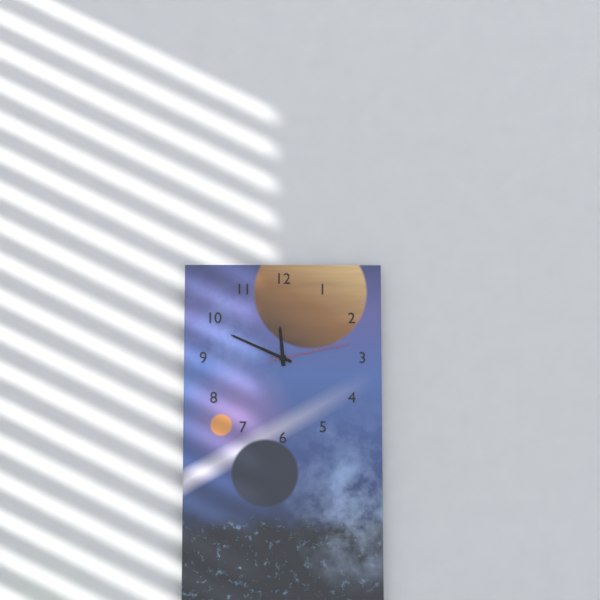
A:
11,49,13
